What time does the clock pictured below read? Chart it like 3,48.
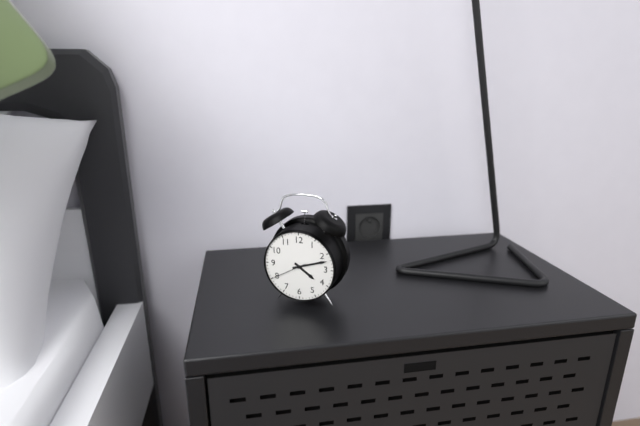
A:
4,12
